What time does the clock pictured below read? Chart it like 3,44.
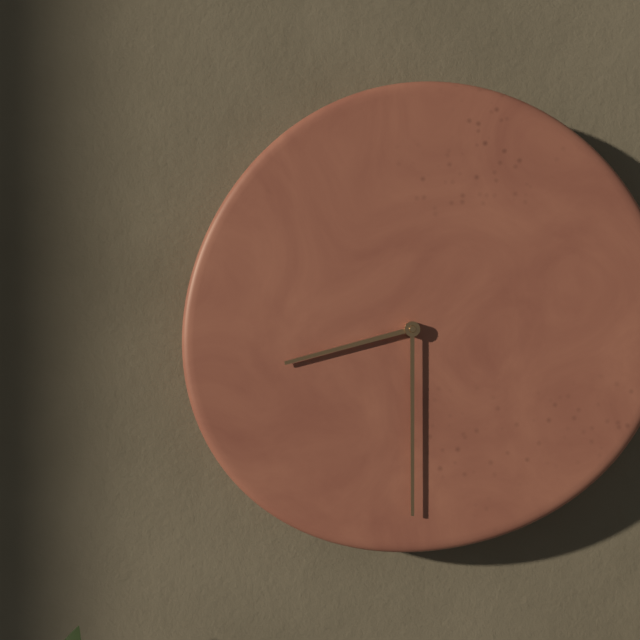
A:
8,30
